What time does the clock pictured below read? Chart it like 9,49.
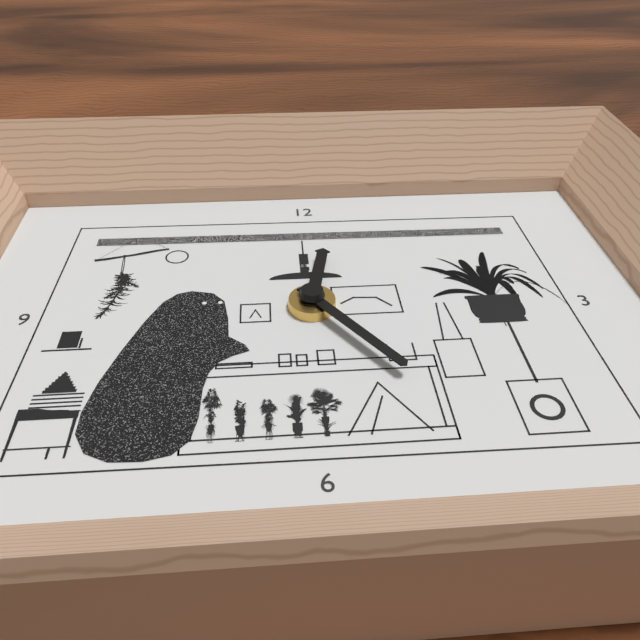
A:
12,24
